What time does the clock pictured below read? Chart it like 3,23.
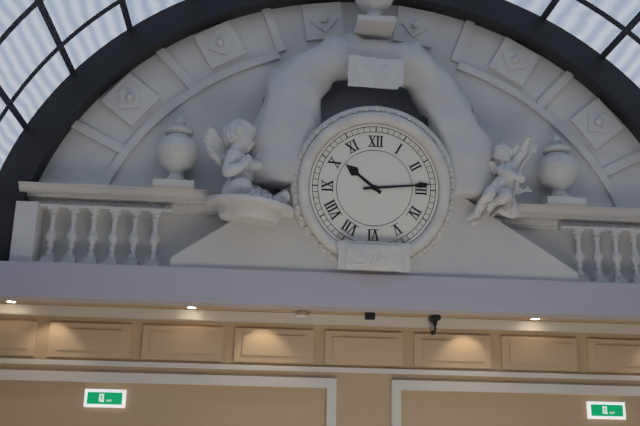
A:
10,14
